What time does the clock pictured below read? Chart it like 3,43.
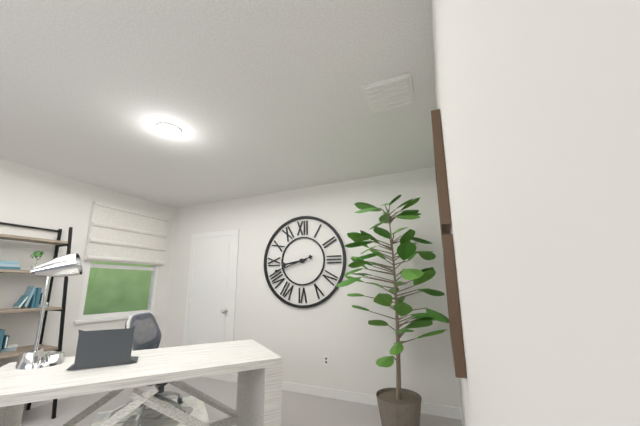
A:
8,42
